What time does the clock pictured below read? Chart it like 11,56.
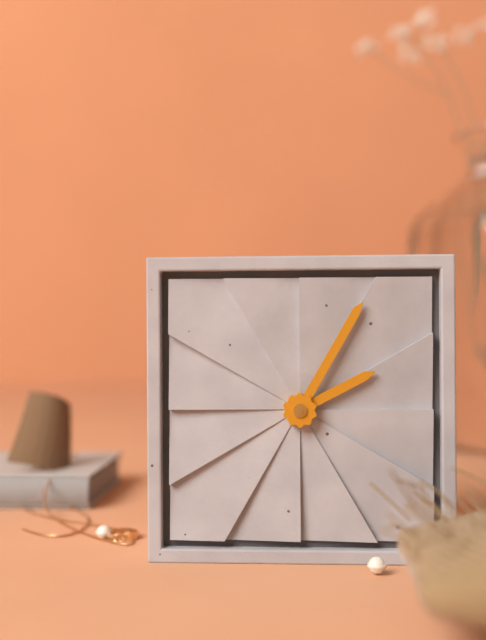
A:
2,05
